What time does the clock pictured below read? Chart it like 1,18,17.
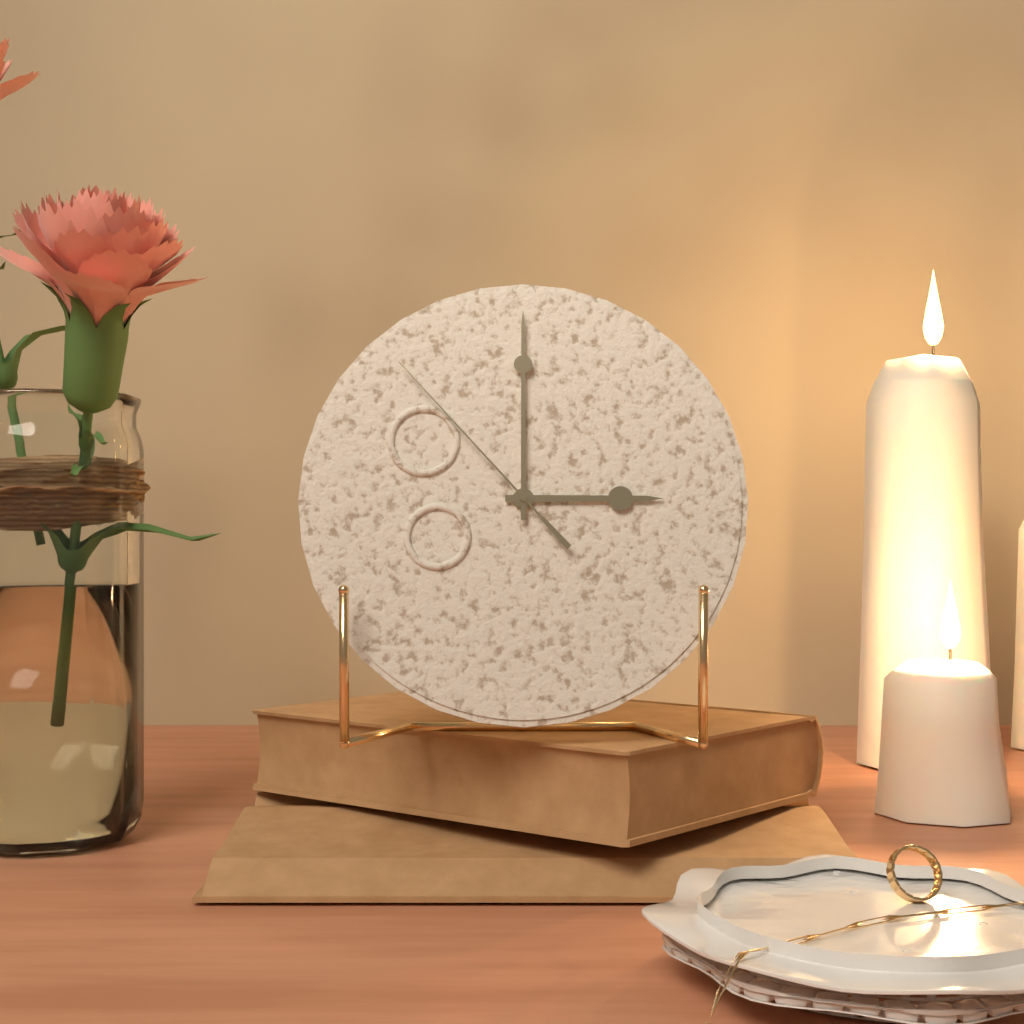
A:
3,00,53
